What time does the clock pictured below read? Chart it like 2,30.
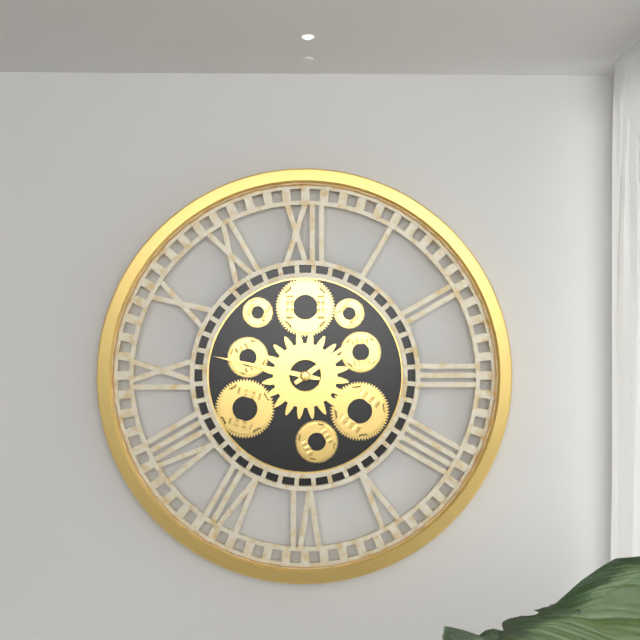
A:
1,47
